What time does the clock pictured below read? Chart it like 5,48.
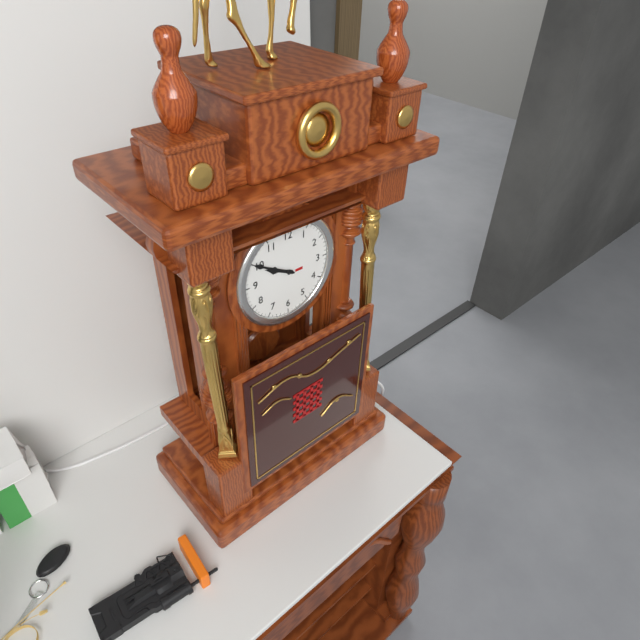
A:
9,50
